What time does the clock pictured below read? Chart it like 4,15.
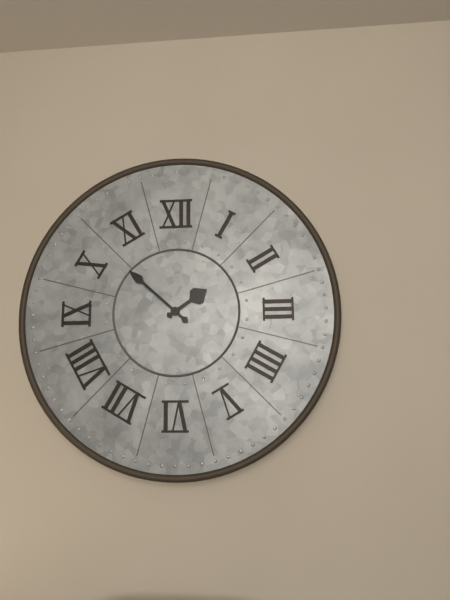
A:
1,52
